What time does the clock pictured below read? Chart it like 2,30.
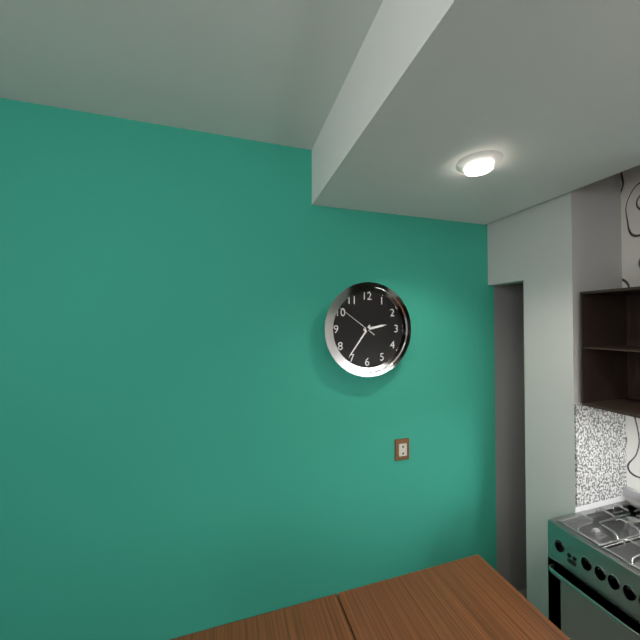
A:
2,36
